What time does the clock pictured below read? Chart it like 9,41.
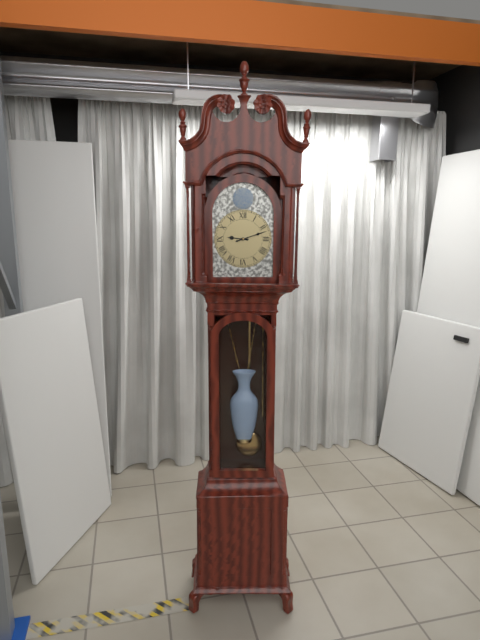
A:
9,12
